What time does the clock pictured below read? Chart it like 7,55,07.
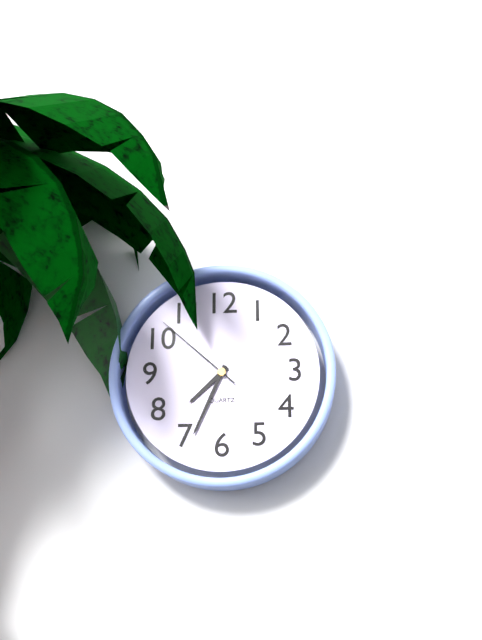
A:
7,34,52
